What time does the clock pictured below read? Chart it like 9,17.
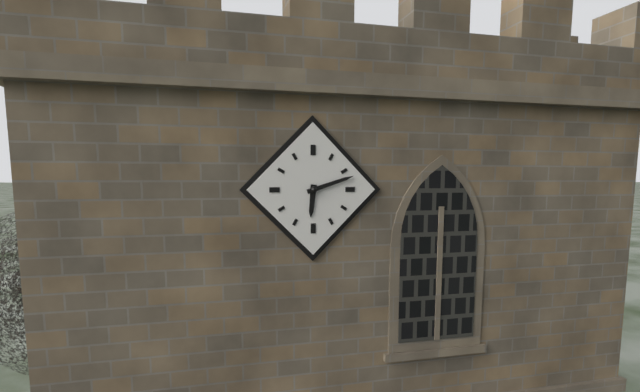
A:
6,12
